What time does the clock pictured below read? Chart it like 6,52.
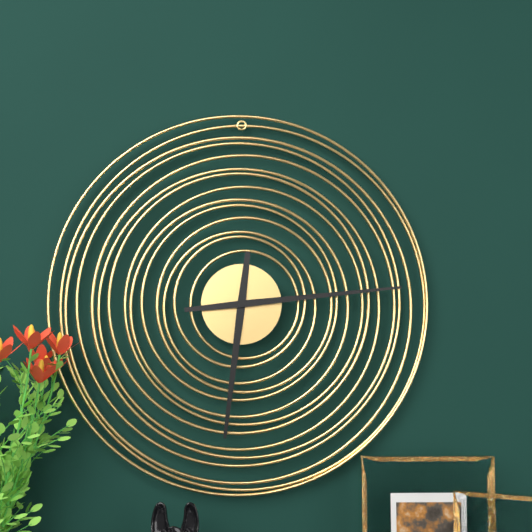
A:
6,14
